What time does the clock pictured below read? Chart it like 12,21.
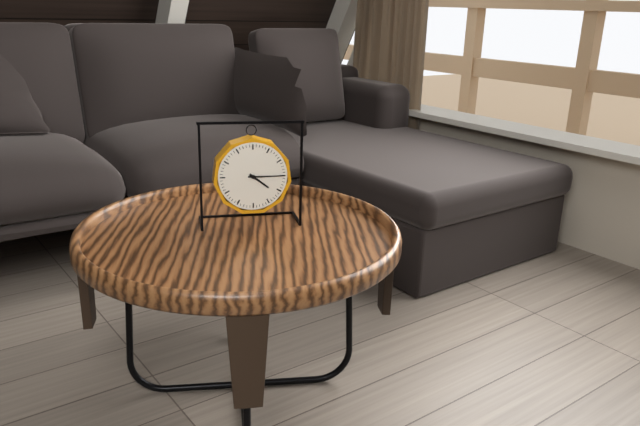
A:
4,15
